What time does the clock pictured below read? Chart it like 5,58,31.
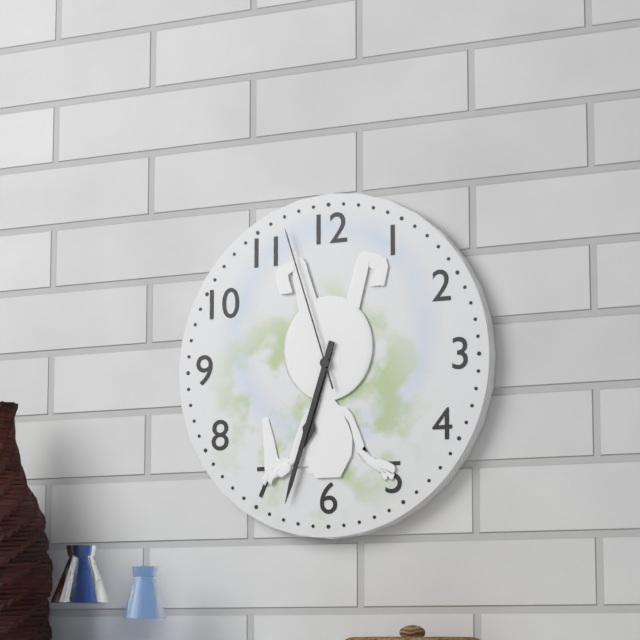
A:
6,33,57
